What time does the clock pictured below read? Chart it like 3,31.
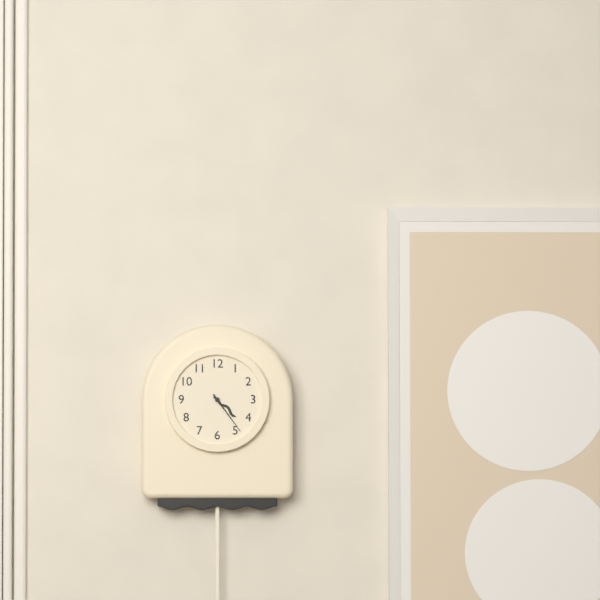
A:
4,24
